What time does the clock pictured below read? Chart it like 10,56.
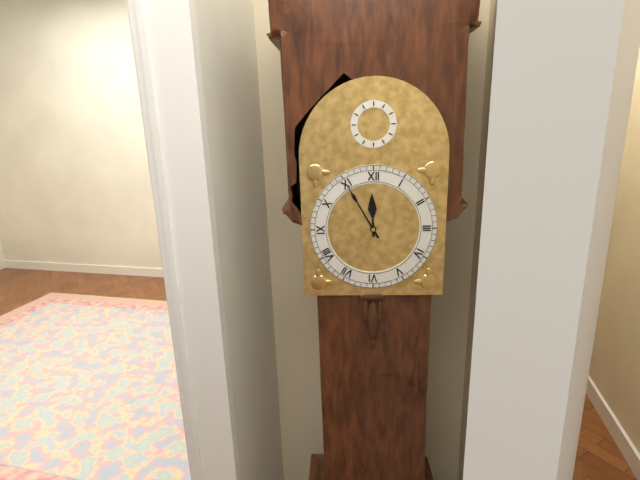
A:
11,55
